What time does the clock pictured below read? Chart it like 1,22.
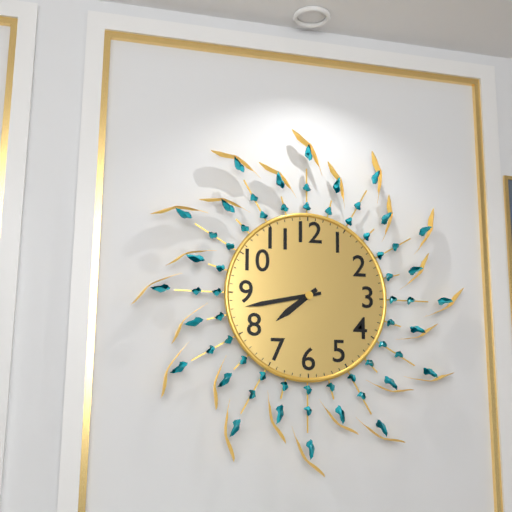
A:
7,43
